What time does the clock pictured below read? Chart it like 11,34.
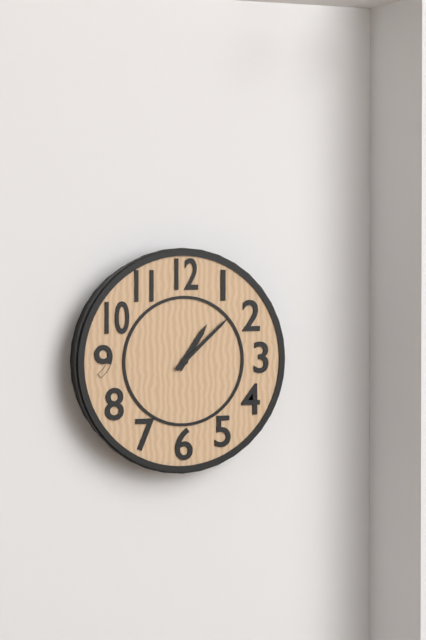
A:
1,08
